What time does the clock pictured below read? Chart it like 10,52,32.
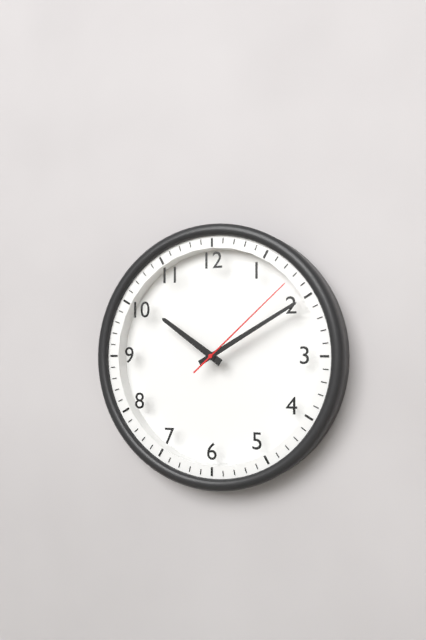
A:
10,10,08
